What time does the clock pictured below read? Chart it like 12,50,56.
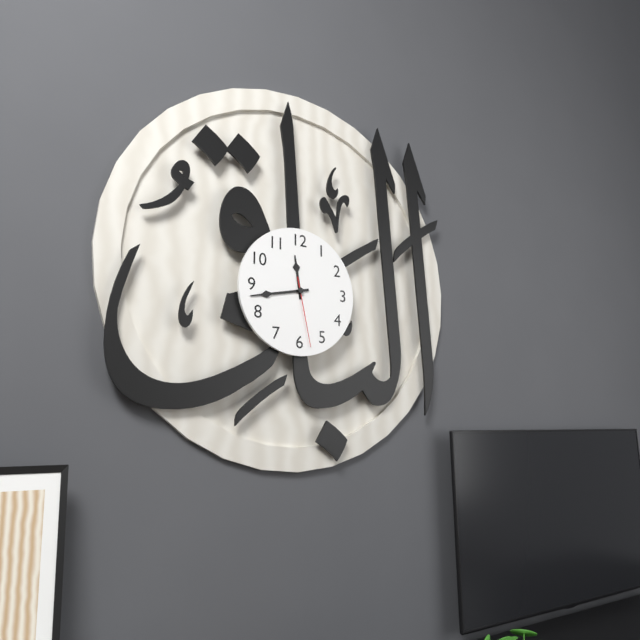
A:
11,43,28
